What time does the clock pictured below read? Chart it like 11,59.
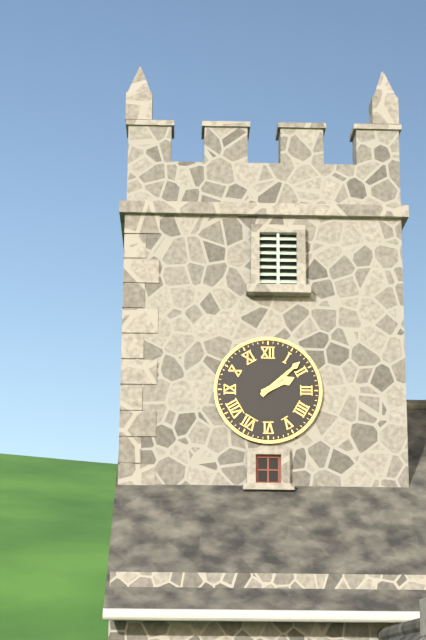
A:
2,08
